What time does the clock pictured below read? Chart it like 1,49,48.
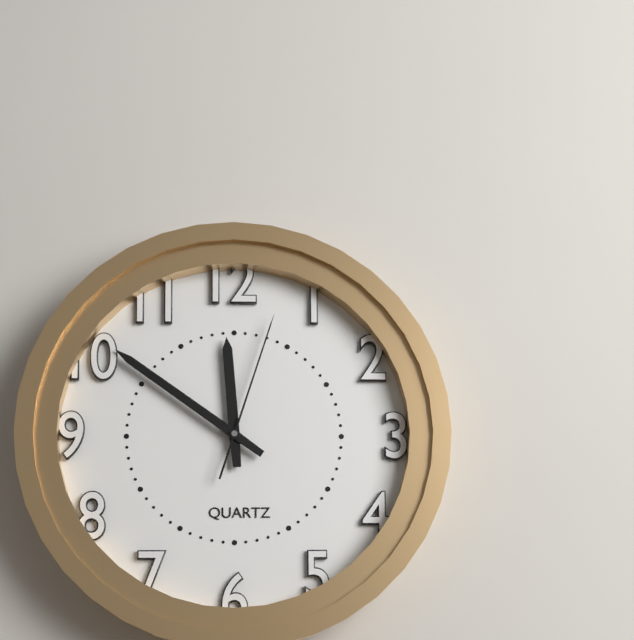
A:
11,51,03
